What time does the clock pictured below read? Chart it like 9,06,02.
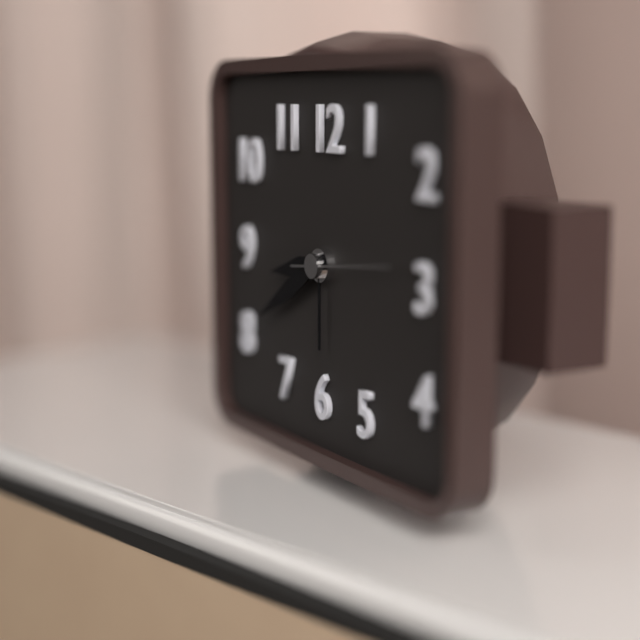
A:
8,40,14
